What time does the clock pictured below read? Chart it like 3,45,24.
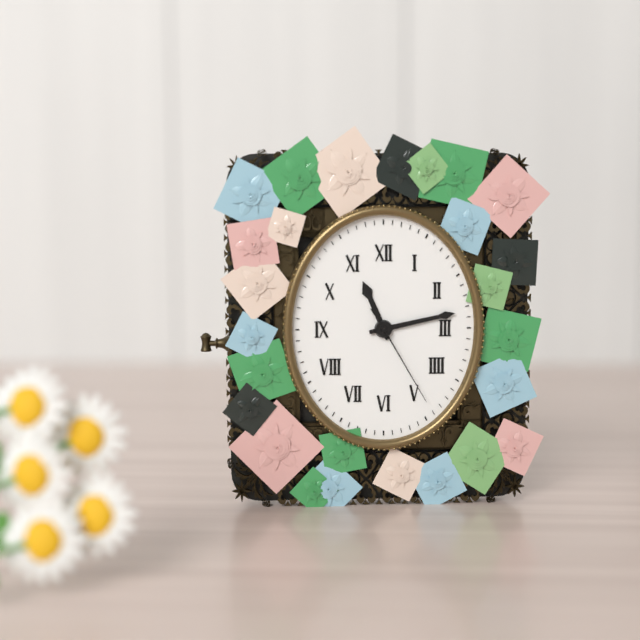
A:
11,13,25
